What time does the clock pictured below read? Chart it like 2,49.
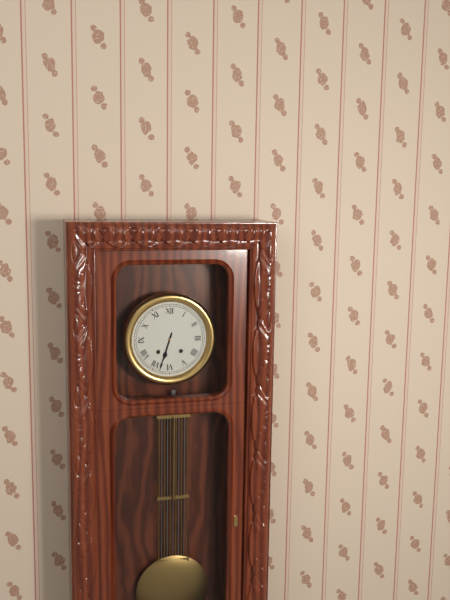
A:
6,33
